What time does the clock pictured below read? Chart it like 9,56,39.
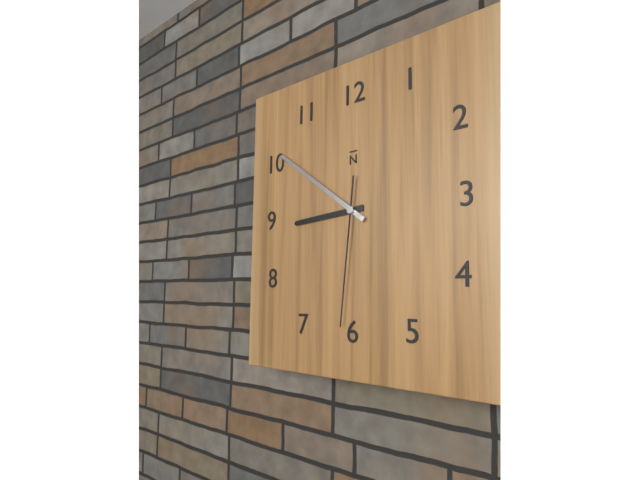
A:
8,51,31
